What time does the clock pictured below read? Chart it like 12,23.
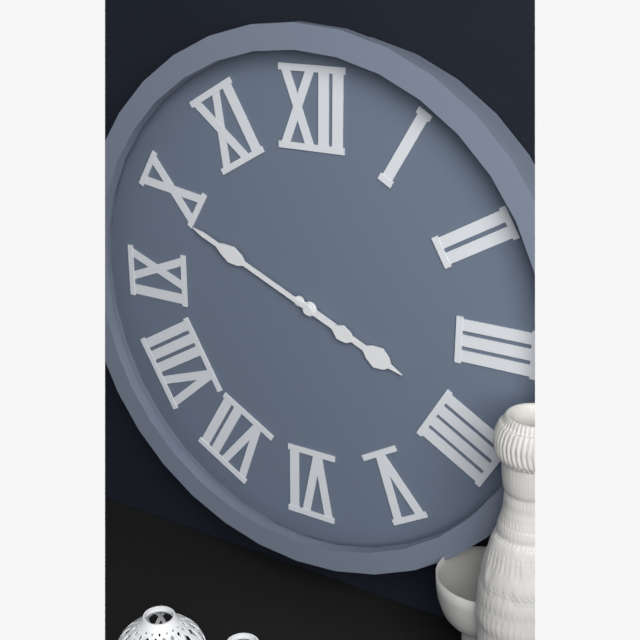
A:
3,49
